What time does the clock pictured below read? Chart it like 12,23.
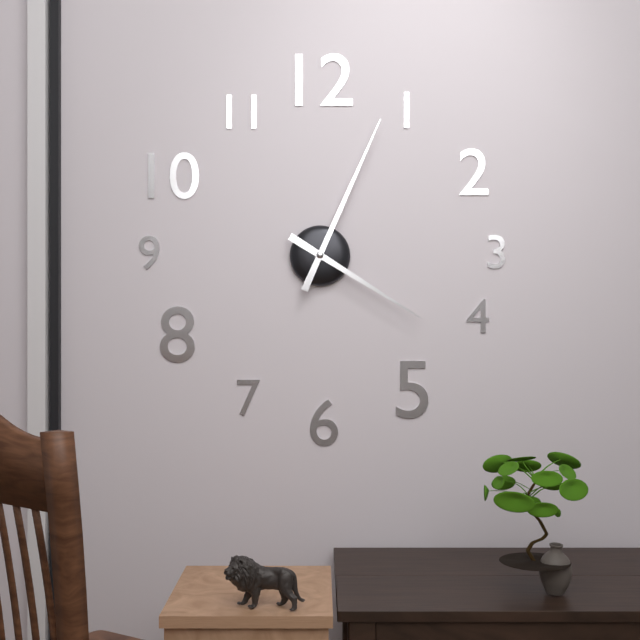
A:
4,04
